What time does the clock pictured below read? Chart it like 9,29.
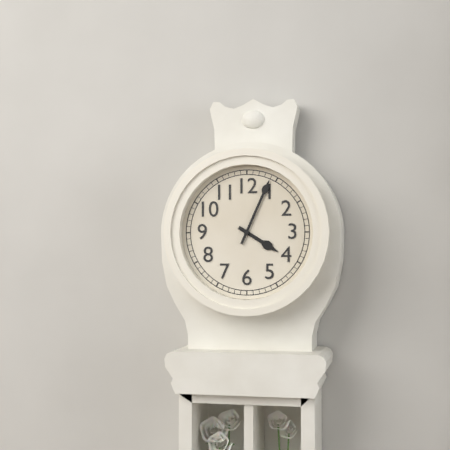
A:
4,04
